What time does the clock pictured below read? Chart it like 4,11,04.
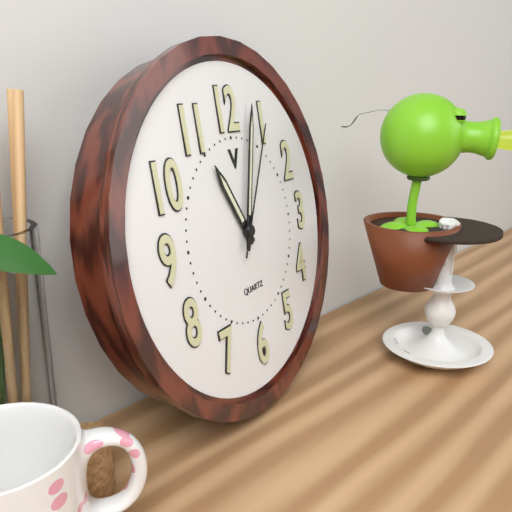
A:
11,03,05
